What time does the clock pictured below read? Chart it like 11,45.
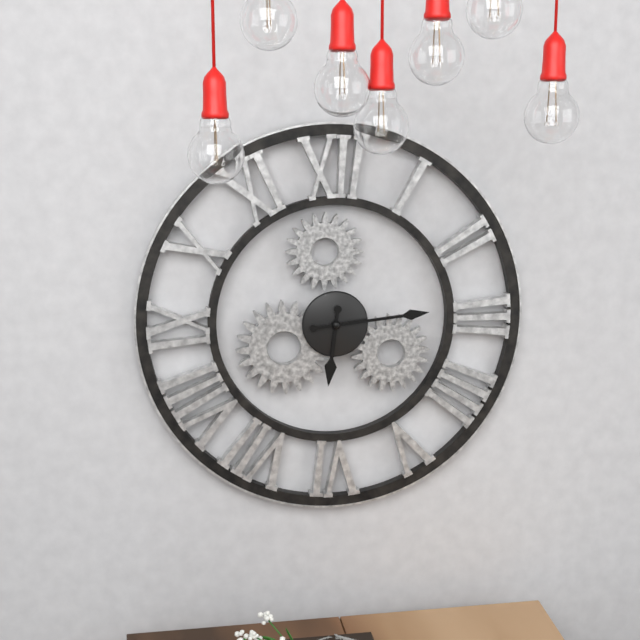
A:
6,14
